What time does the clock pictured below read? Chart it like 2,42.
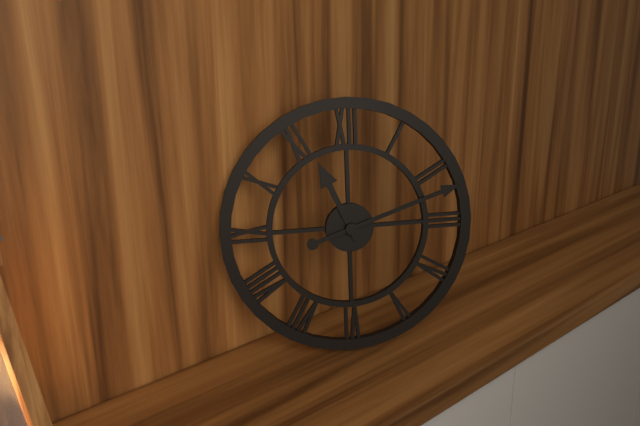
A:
11,12
